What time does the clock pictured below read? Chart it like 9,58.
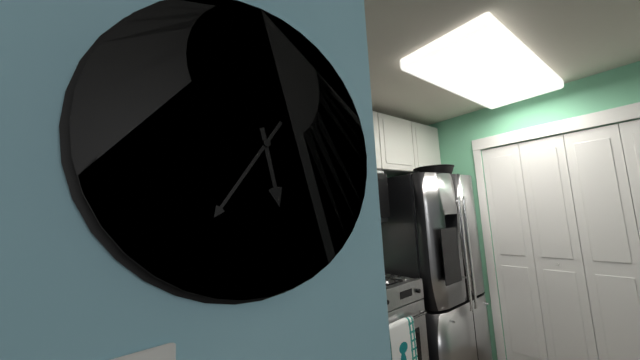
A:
5,36
